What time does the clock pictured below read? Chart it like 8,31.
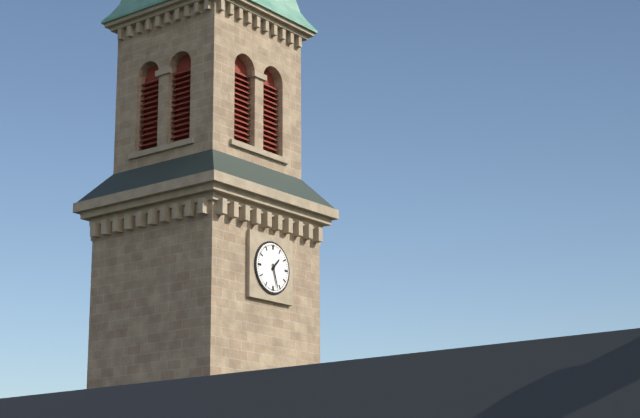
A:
1,27
